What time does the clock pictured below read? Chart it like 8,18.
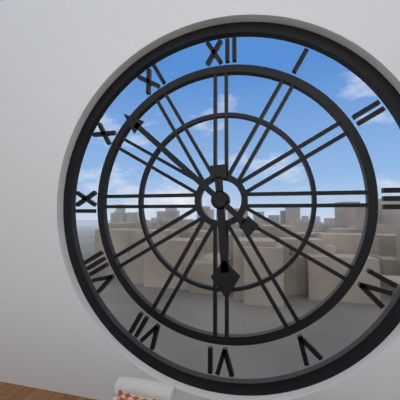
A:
5,52
